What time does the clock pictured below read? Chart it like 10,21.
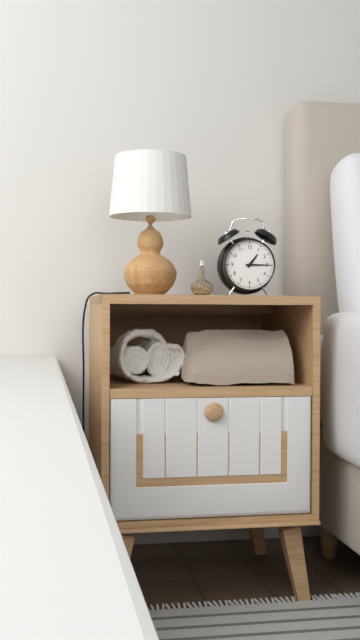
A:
1,15
